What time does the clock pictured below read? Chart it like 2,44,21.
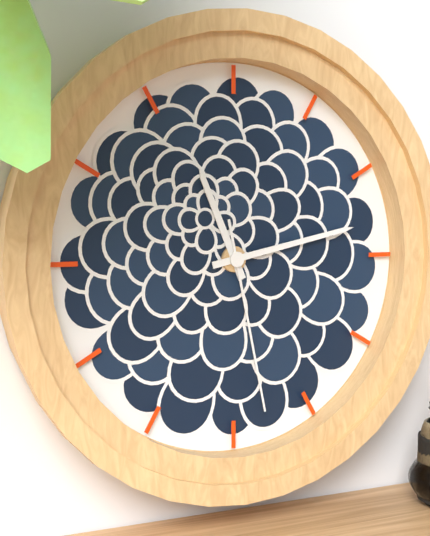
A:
11,13,28
